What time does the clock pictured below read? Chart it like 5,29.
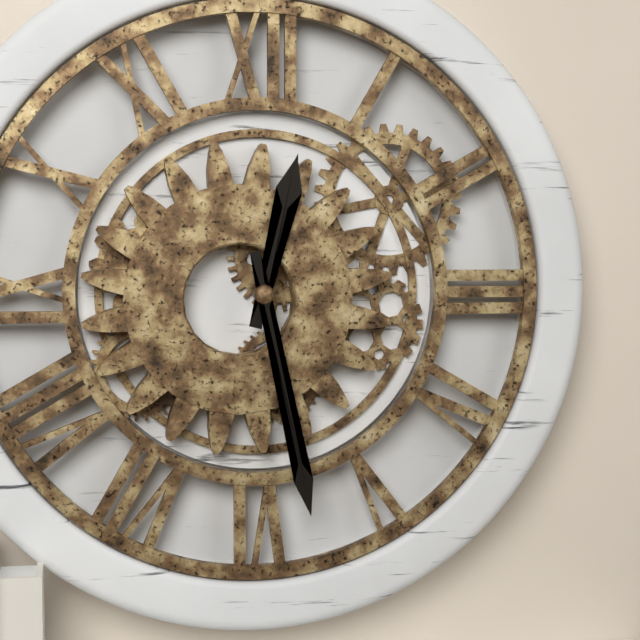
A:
12,28
